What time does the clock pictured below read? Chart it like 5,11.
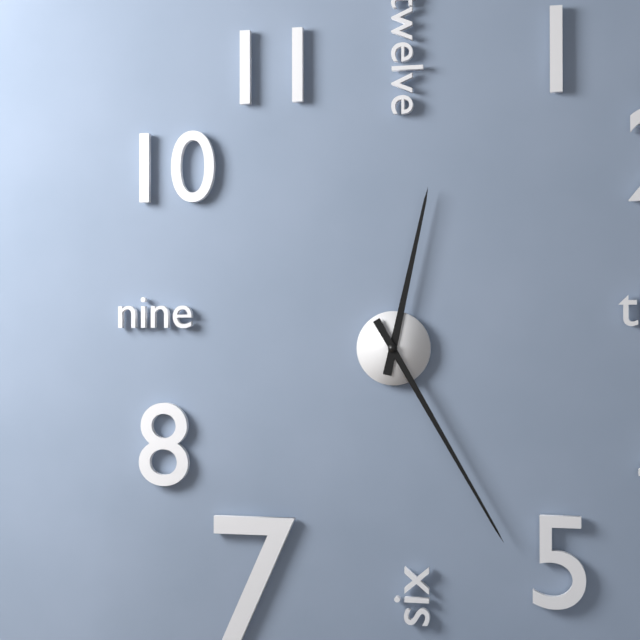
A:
12,25
